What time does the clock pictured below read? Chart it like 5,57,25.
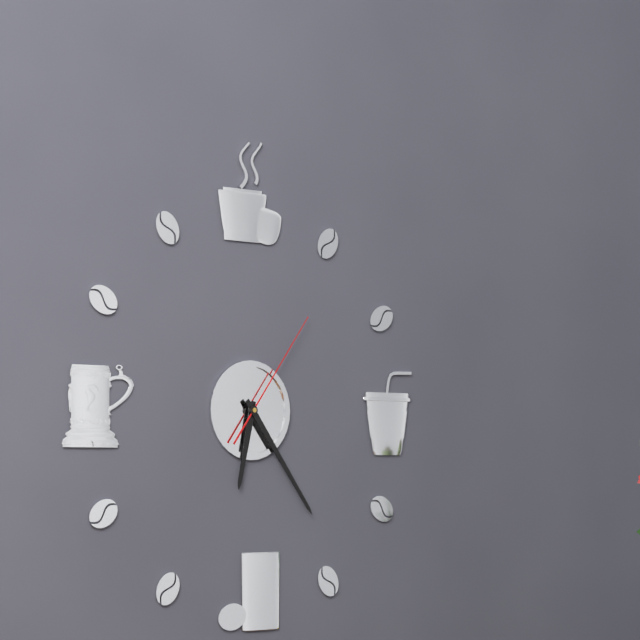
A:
6,24,06
